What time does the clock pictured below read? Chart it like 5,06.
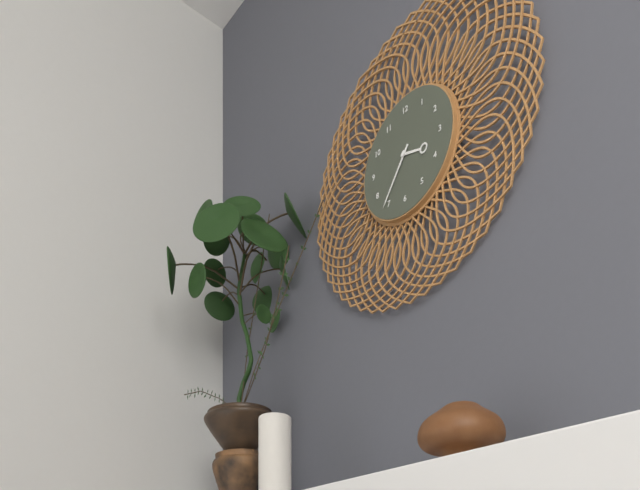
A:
3,36
